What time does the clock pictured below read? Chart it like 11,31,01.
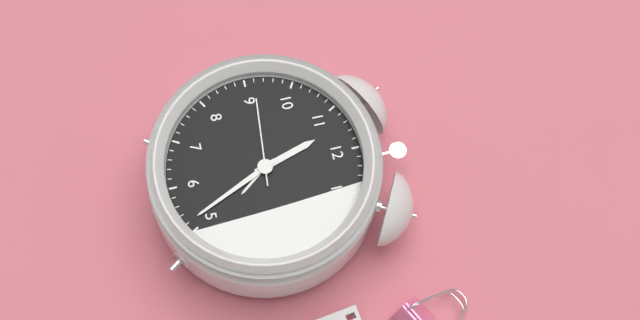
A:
11,26,46
